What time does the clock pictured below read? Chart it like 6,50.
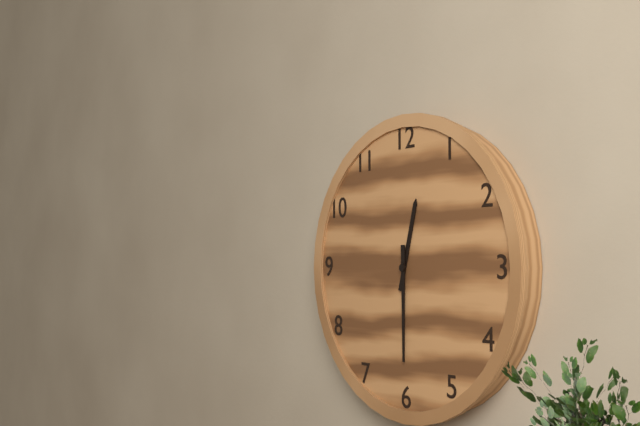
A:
12,30
